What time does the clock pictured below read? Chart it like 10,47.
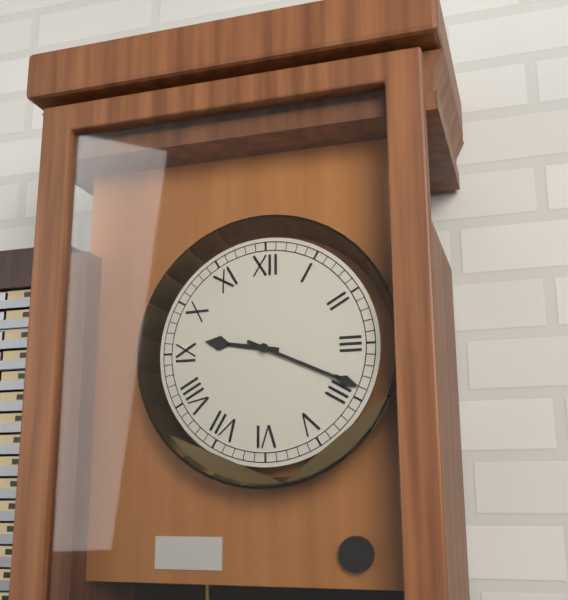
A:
9,19
